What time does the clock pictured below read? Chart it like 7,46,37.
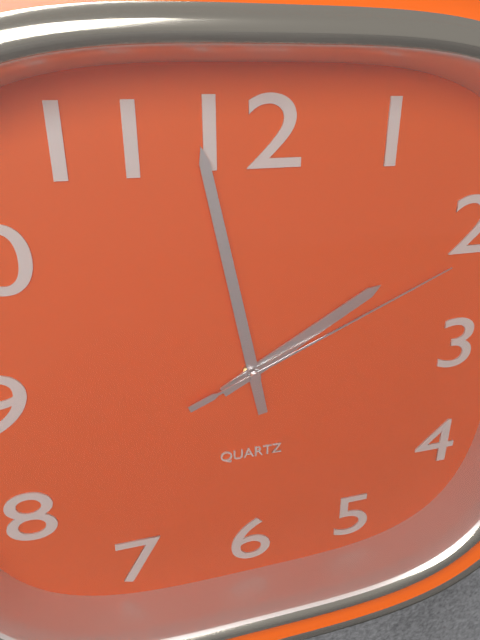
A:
1,58,11
